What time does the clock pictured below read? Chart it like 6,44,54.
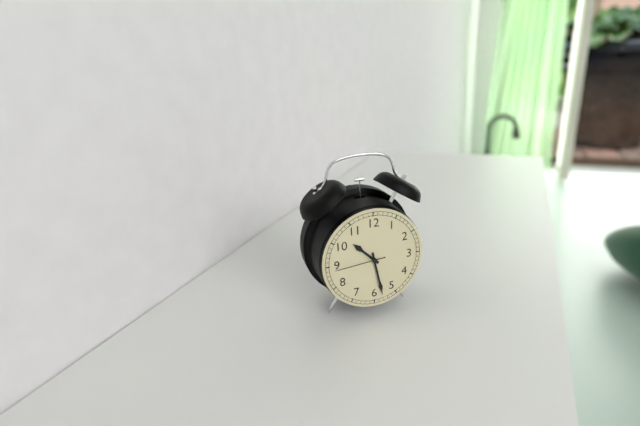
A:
10,28,44
